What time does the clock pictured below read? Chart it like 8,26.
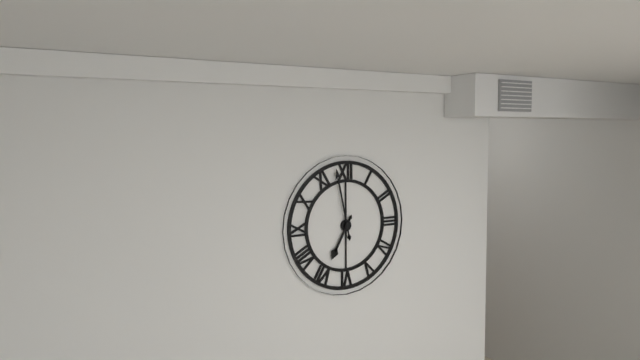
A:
6,58
